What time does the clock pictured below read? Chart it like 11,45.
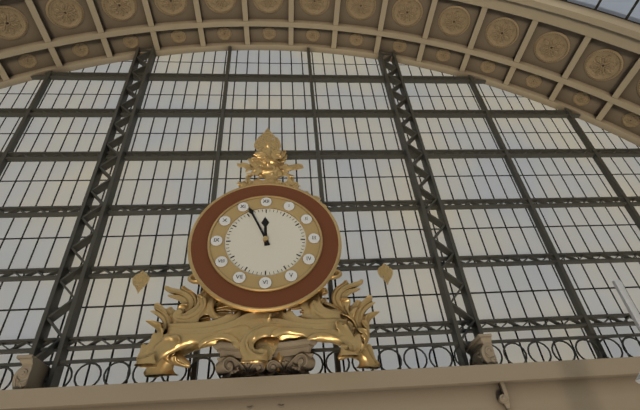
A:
11,56
